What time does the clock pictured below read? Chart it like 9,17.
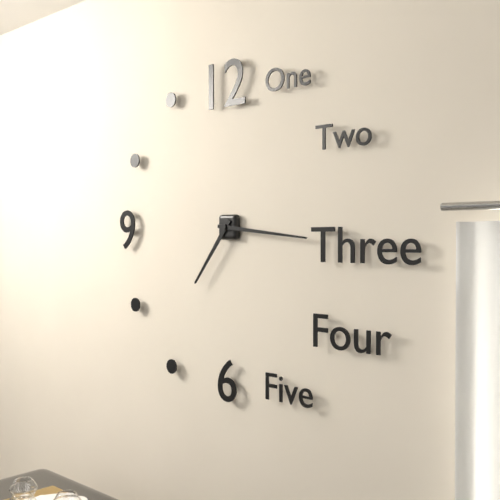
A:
7,16
